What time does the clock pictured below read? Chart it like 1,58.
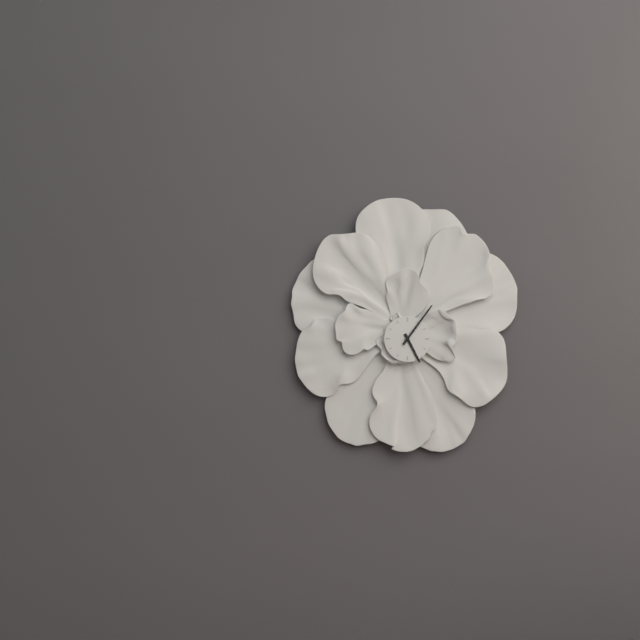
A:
5,06
